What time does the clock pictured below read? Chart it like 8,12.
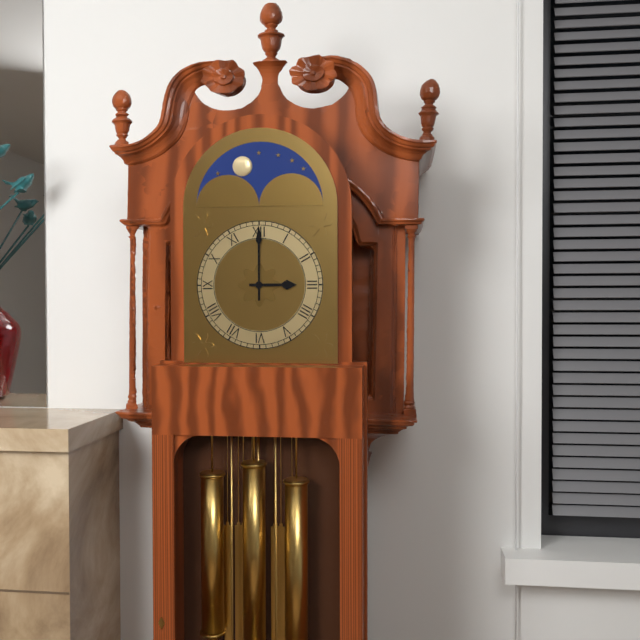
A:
3,00
